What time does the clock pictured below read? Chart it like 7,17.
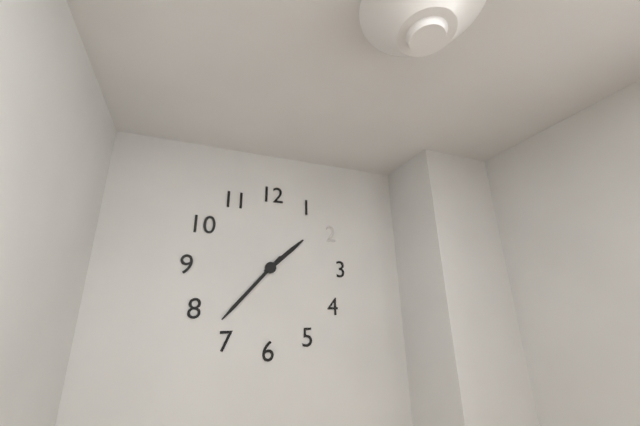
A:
1,37
